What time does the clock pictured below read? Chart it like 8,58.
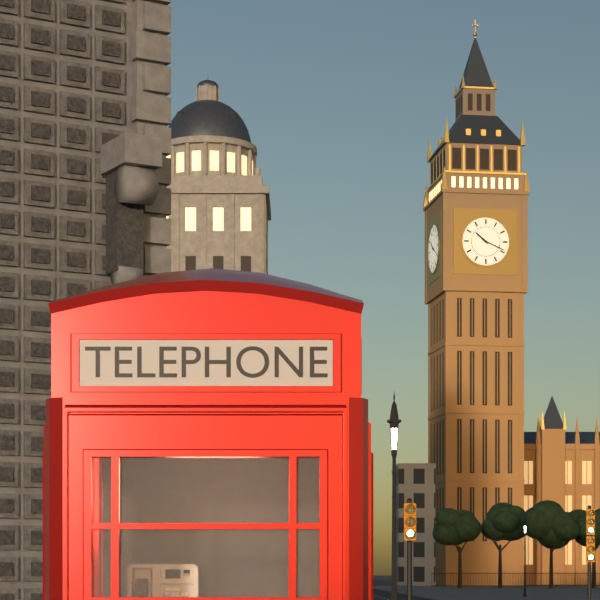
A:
10,19
